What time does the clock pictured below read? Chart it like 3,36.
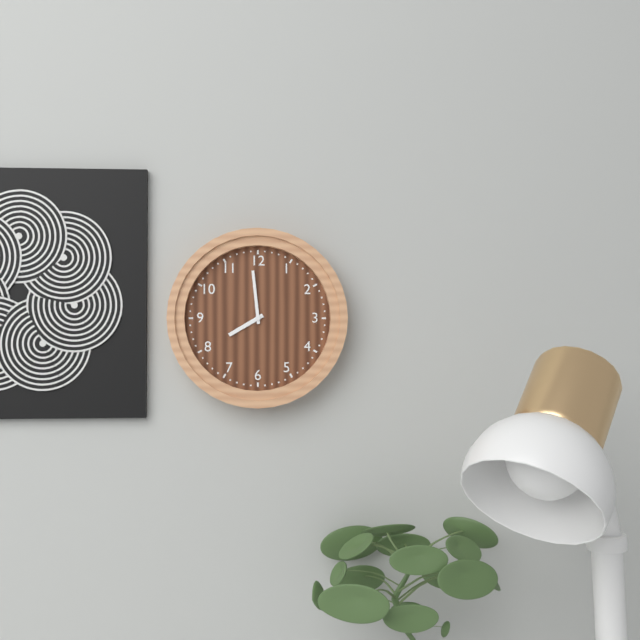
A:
7,59
